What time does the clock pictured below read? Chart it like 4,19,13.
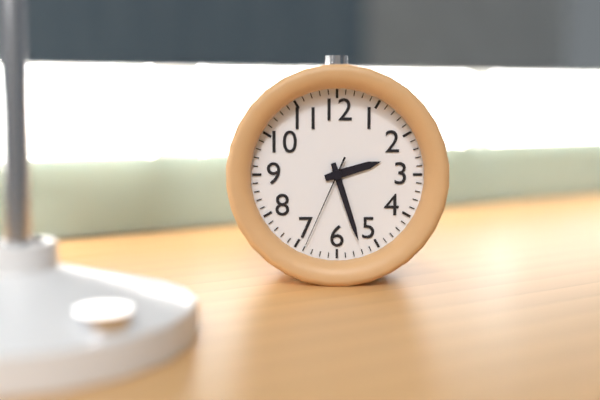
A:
2,27,34
